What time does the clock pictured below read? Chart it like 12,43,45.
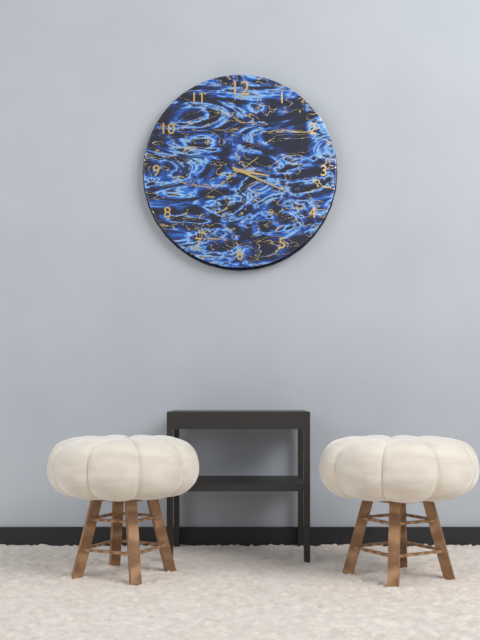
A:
3,19,39
